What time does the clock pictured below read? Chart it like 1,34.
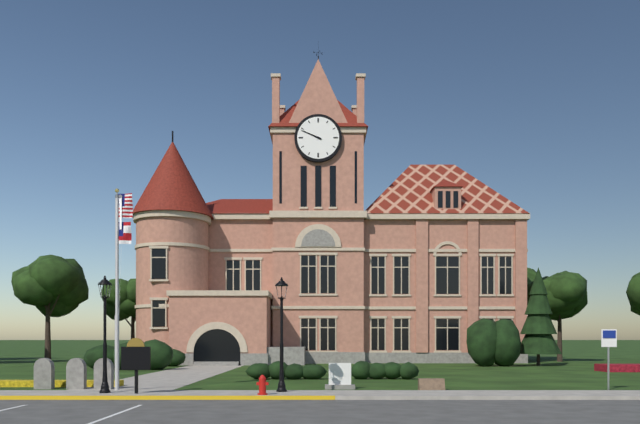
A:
9,49
